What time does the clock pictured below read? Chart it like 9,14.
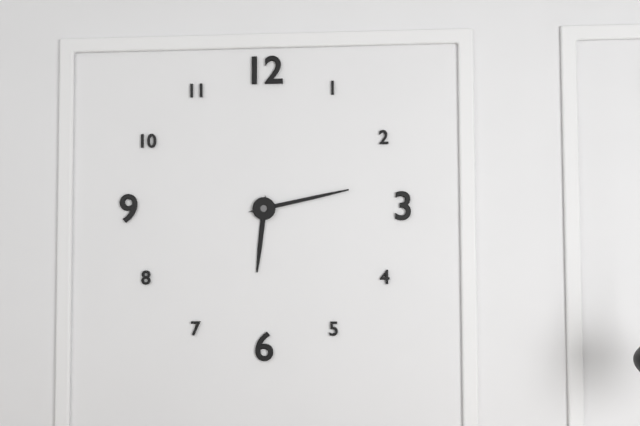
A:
6,13
